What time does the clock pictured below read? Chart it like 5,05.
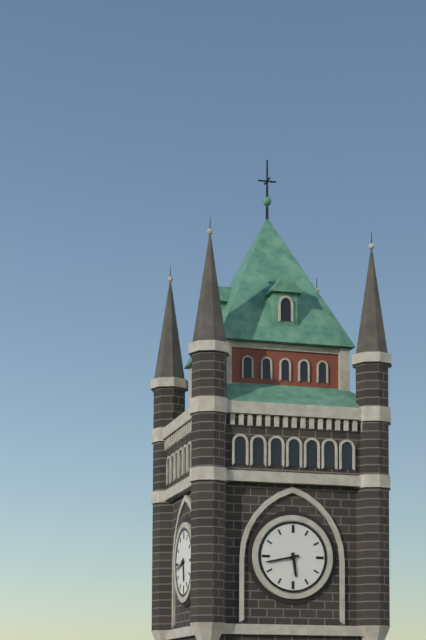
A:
5,43
